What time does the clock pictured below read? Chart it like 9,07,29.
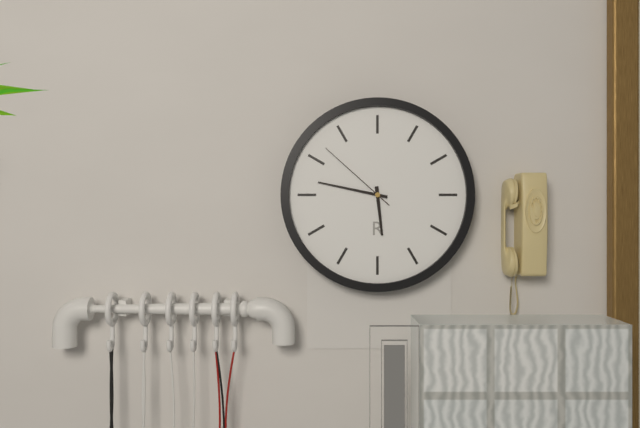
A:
5,47,52
